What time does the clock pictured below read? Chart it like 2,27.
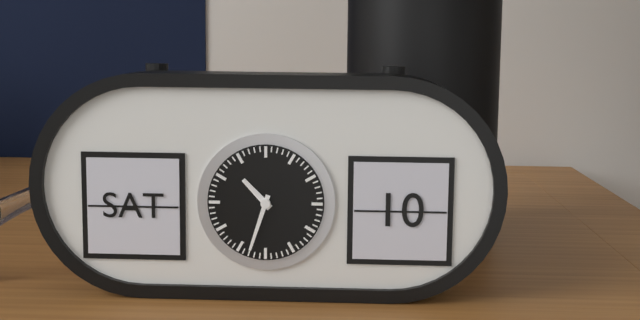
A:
10,33
